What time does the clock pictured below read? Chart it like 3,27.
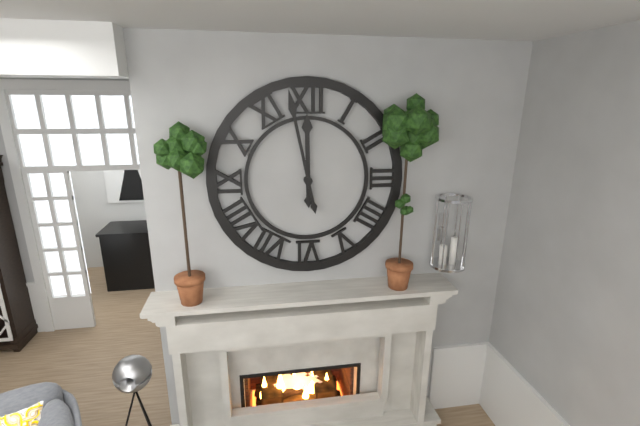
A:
11,58
